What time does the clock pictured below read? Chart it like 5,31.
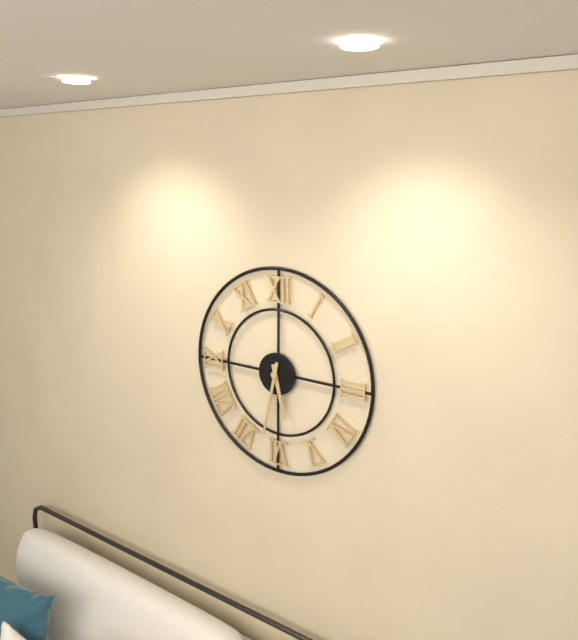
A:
5,32
